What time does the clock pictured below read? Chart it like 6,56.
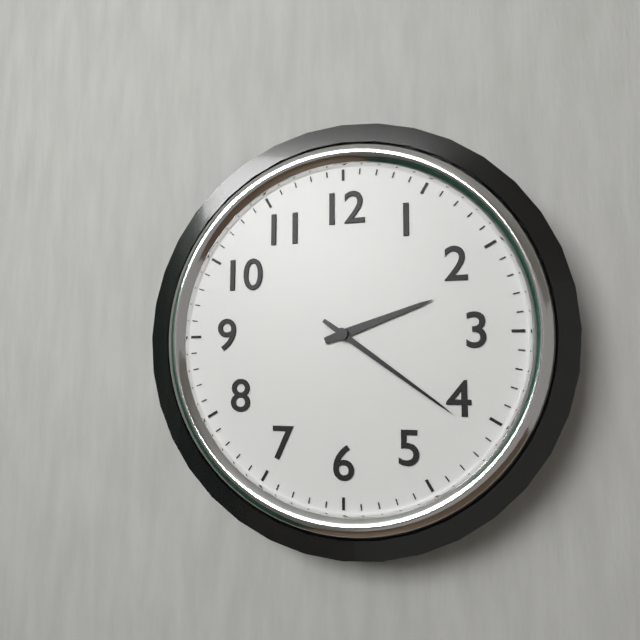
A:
2,21
